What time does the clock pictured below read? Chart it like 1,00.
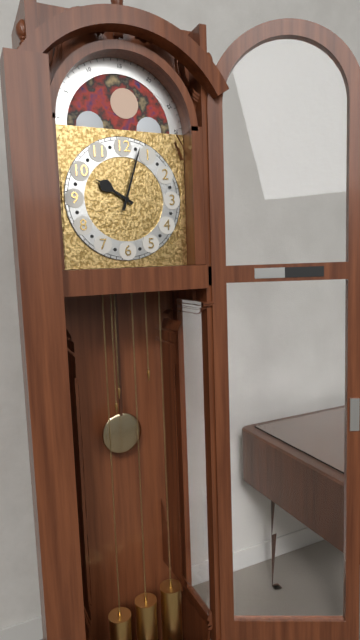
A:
10,03
